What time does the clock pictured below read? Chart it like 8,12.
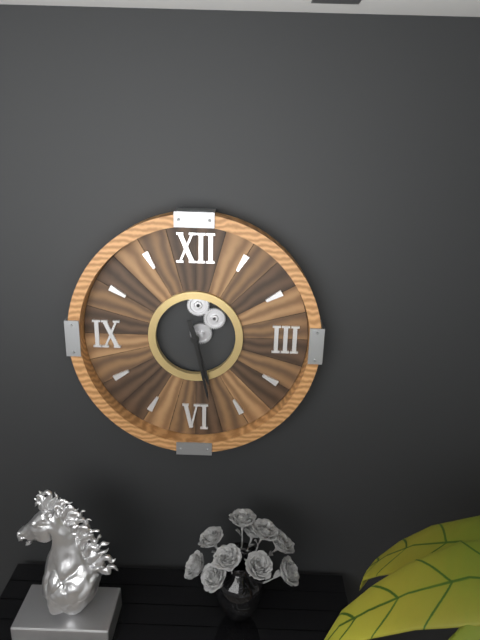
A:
5,28
